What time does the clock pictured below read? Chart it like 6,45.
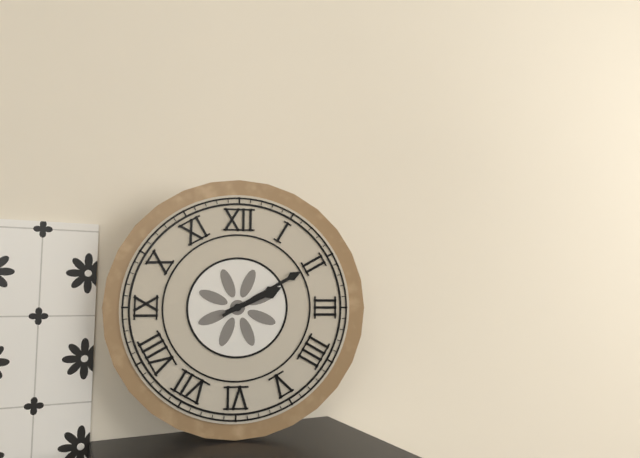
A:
2,10
